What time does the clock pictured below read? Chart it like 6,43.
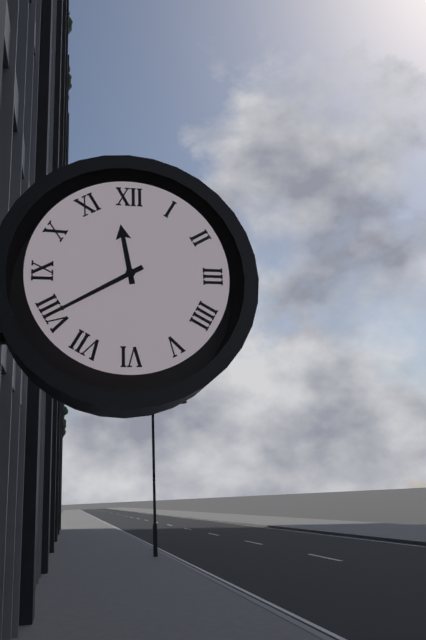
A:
11,40
